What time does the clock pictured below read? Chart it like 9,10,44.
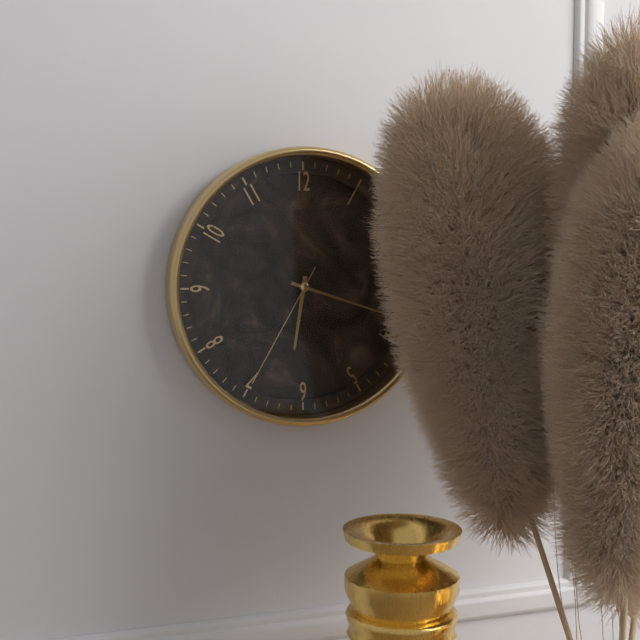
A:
6,18,35
